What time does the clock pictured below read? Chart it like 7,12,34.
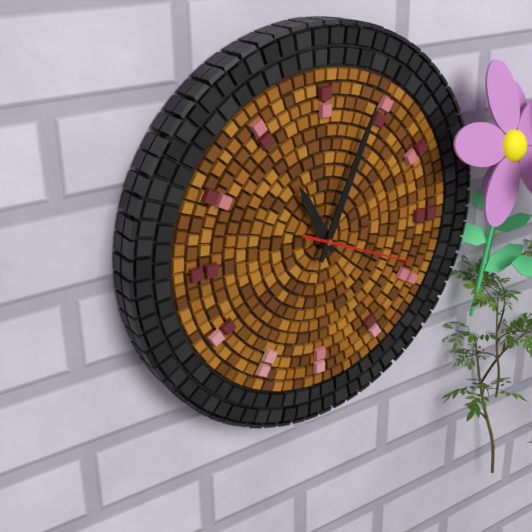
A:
11,04,19
